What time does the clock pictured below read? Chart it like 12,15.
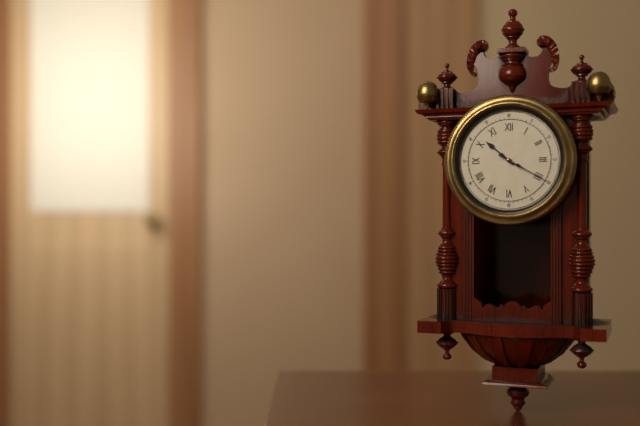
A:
10,20
